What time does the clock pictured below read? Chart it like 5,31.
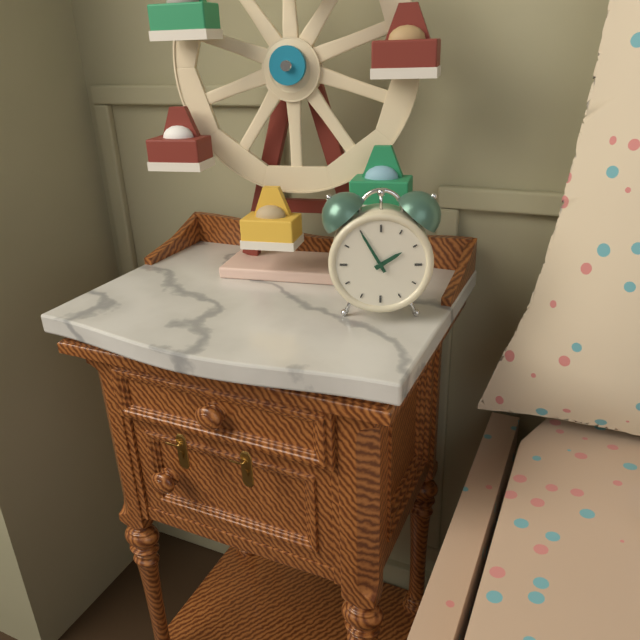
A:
1,55
